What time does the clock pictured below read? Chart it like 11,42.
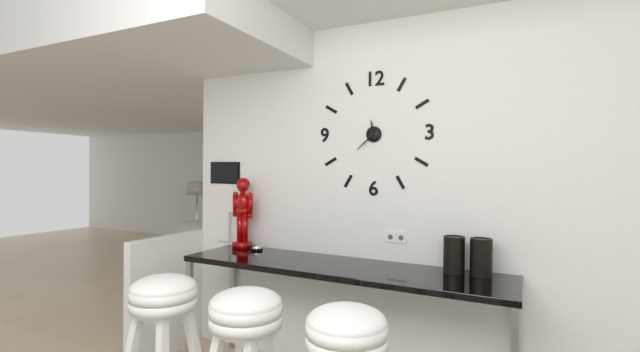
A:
11,38
